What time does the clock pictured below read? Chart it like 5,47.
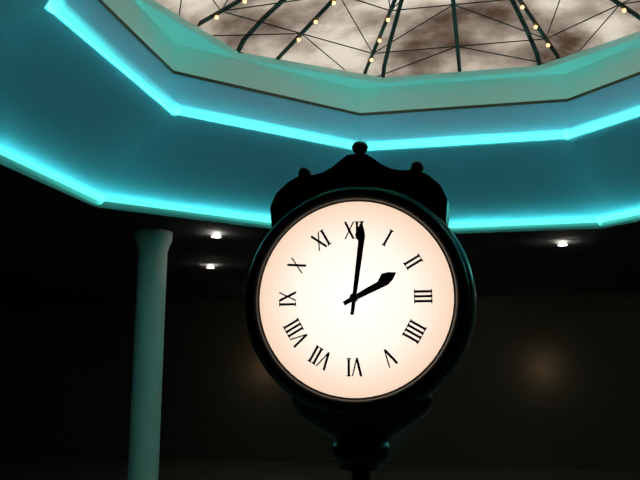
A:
2,01
